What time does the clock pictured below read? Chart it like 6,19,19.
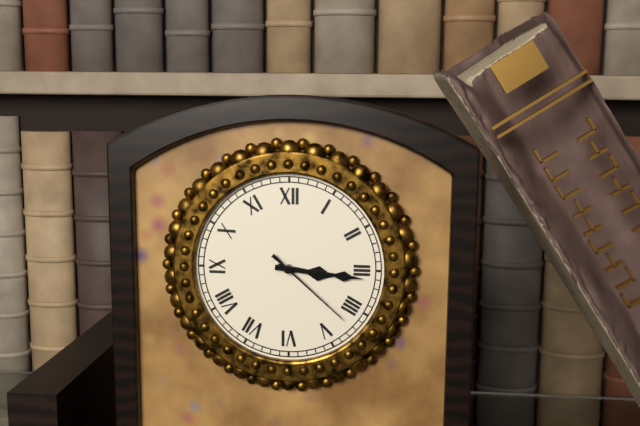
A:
3,16,22
